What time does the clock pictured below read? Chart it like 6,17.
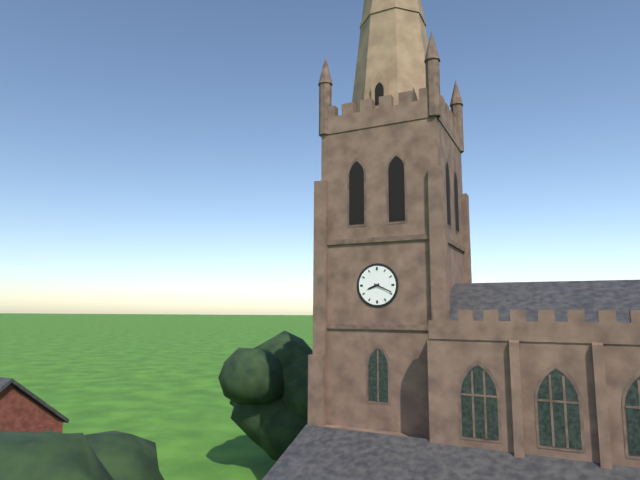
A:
8,19
